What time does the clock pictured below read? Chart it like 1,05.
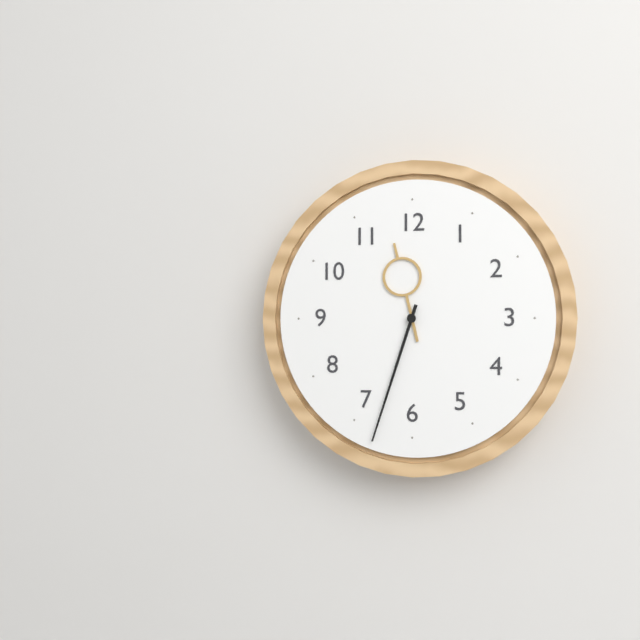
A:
11,33
